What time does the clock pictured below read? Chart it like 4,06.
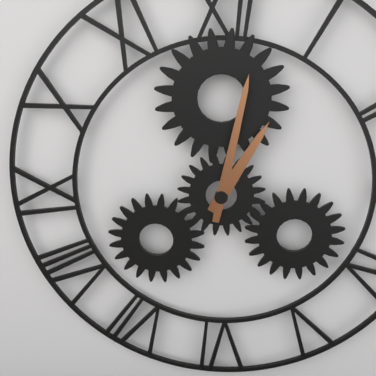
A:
1,02
